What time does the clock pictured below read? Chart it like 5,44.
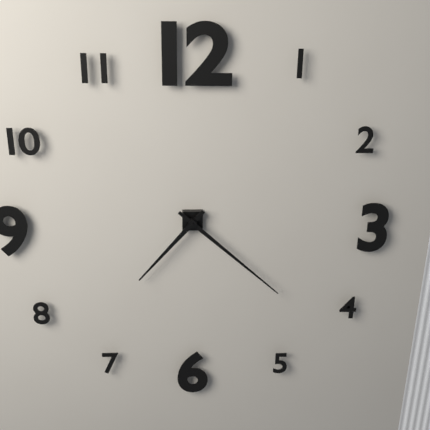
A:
7,22
